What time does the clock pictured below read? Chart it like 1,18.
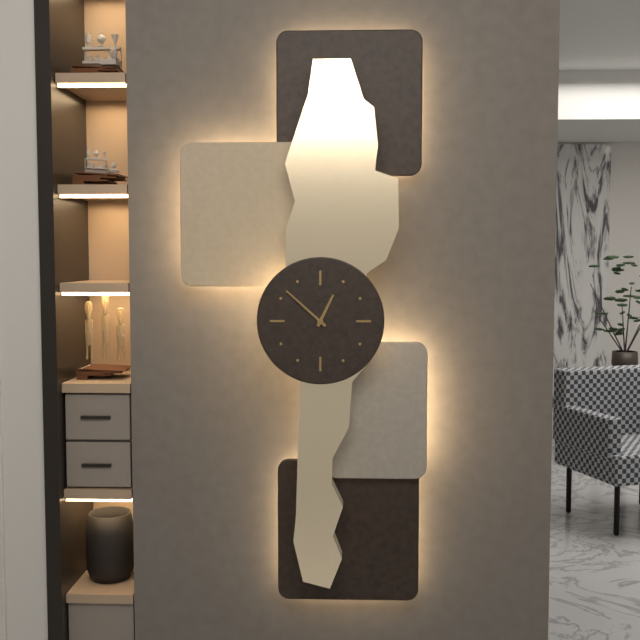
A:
12,52
